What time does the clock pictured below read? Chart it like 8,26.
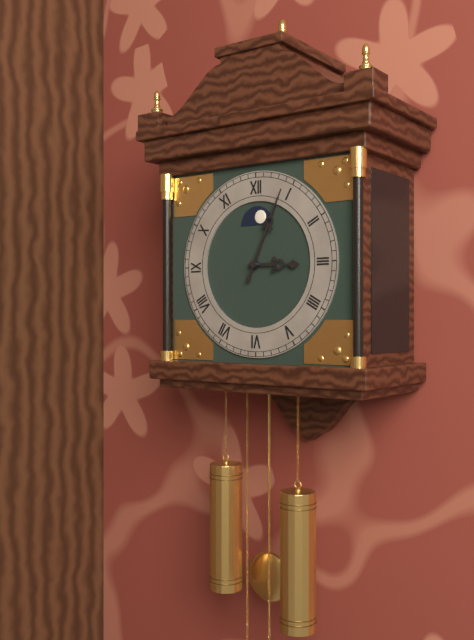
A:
3,04
